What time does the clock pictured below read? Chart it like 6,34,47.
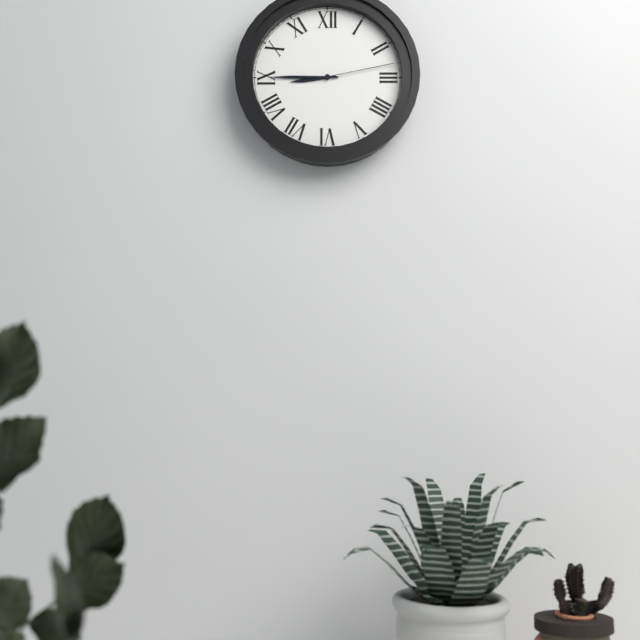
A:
8,45,13
